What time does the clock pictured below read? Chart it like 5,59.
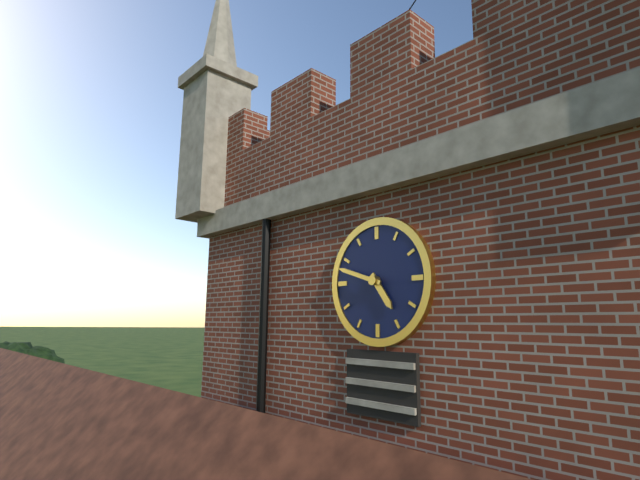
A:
4,48
